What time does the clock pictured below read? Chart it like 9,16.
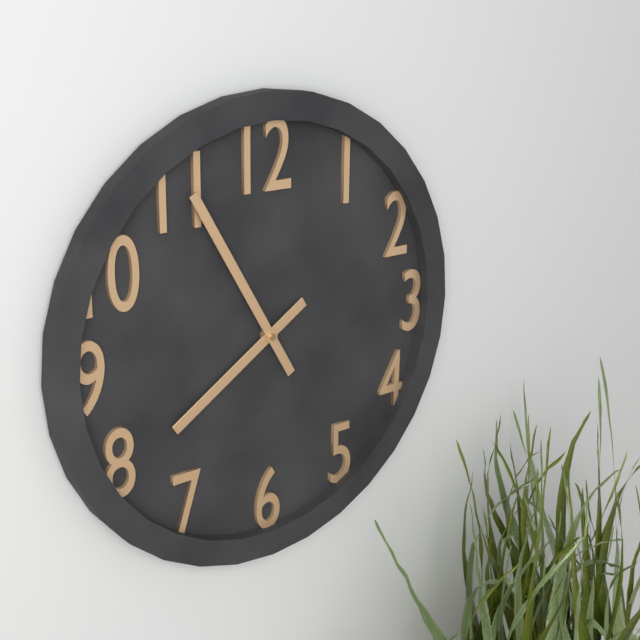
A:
7,55
